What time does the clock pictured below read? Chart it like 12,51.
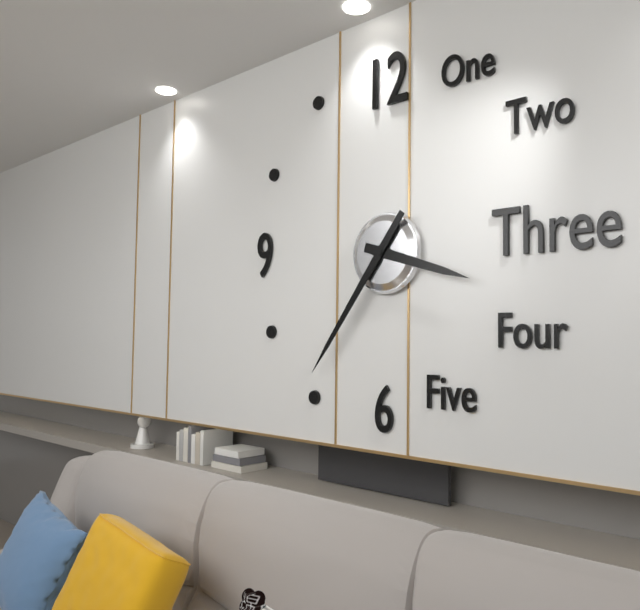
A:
3,36
